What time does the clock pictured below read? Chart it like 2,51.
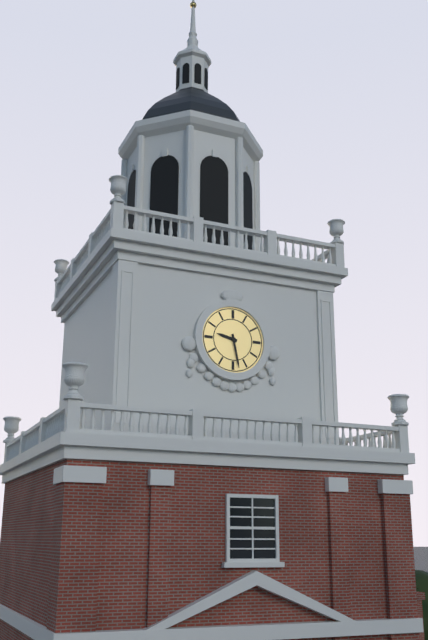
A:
9,28
